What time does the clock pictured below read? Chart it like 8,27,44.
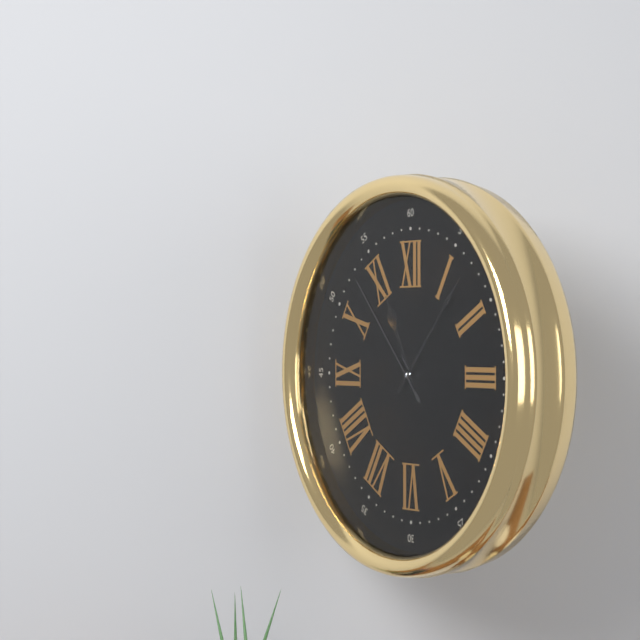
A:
11,07,53
